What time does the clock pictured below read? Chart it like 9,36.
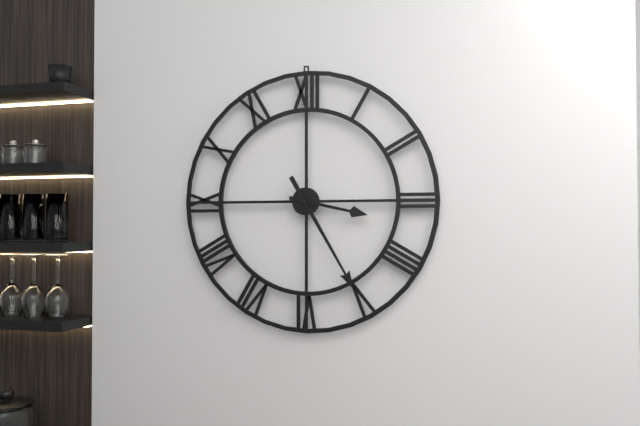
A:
3,25
